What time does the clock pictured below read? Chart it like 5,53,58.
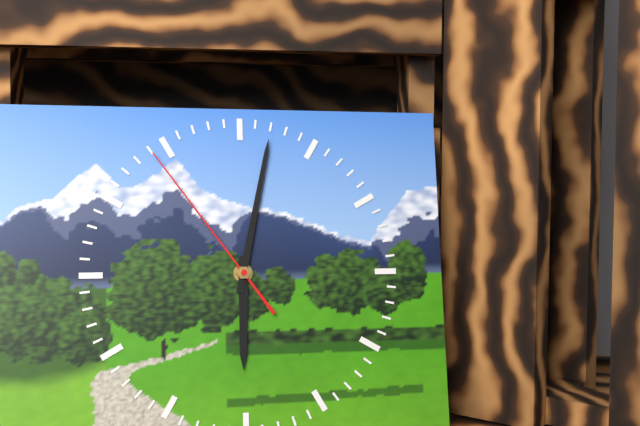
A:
6,02,54
